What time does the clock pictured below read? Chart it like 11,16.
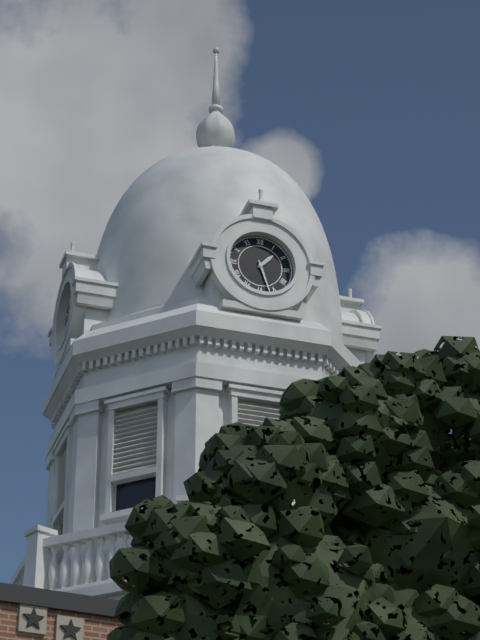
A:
1,27
